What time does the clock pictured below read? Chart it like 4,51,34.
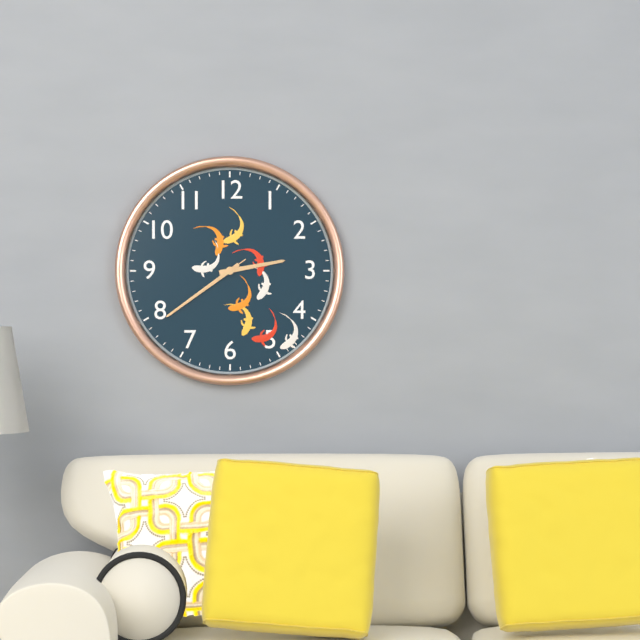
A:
2,39,39
